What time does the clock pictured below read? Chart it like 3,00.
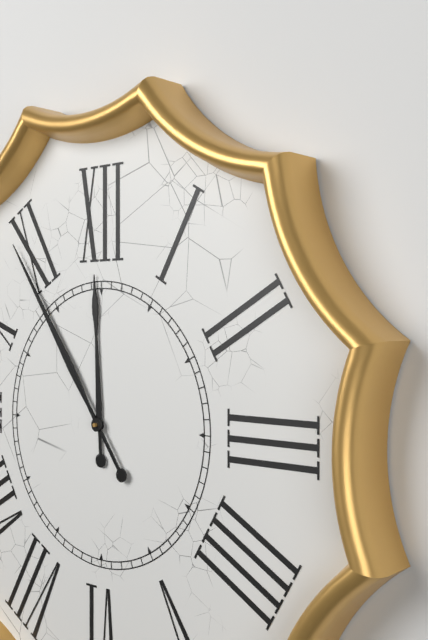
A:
11,54
